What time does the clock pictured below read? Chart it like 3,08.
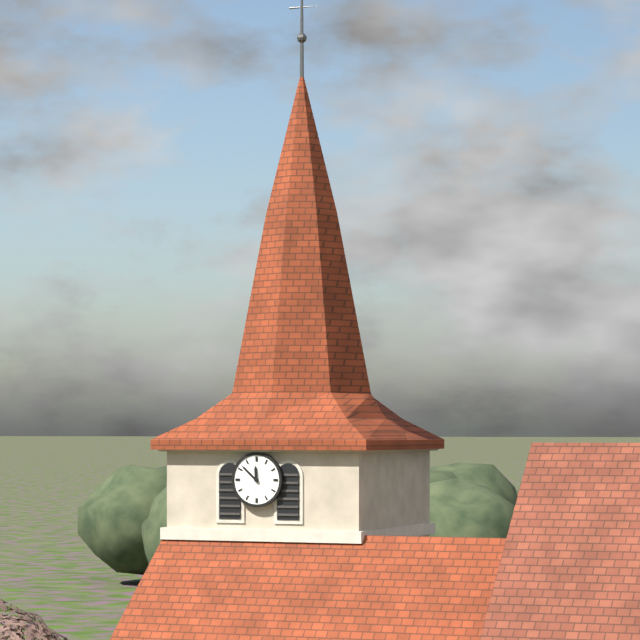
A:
11,52
